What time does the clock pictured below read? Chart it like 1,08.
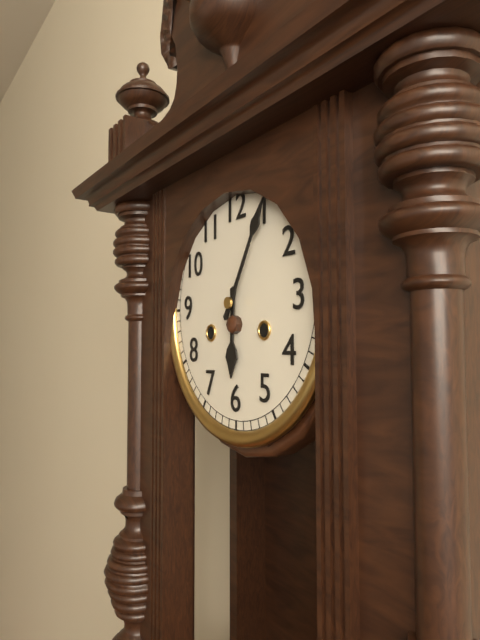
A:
6,05
